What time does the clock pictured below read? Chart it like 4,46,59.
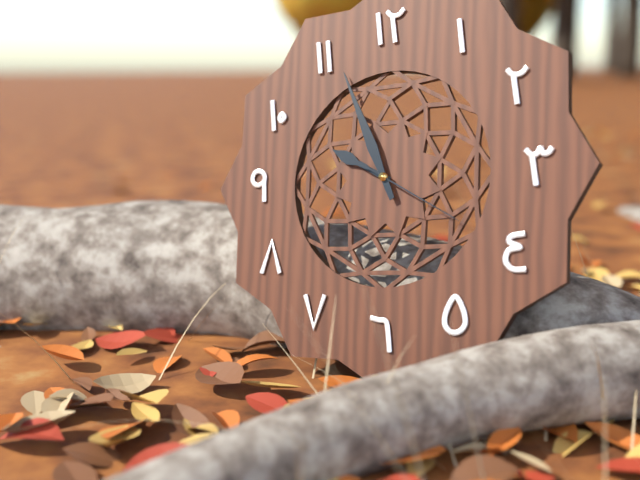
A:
9,56,20
